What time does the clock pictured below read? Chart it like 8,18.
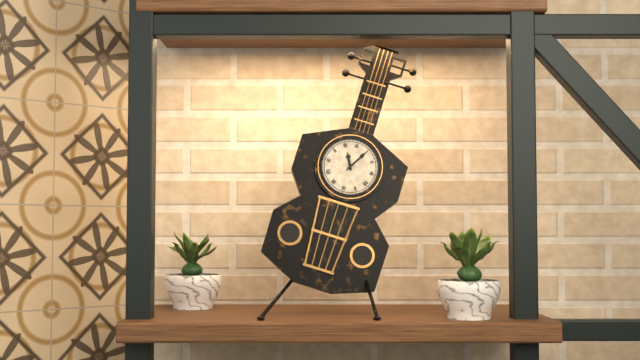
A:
11,05
